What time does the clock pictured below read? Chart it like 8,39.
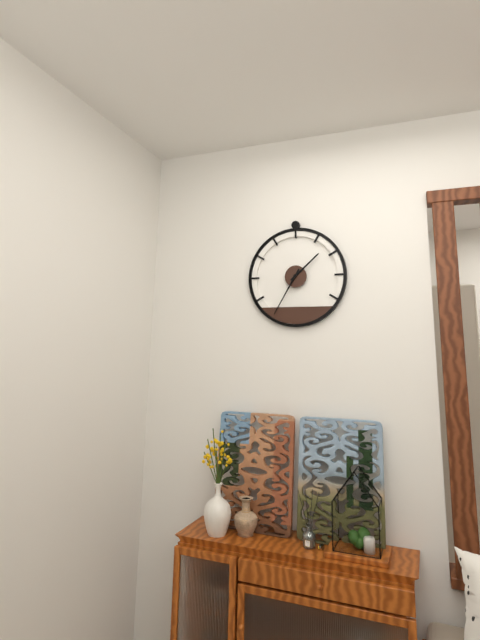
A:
1,35
